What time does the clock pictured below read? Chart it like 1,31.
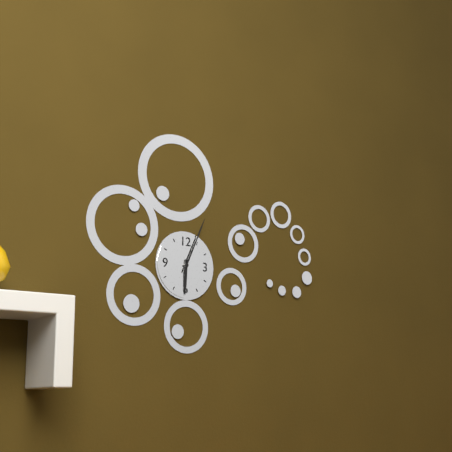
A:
6,04
